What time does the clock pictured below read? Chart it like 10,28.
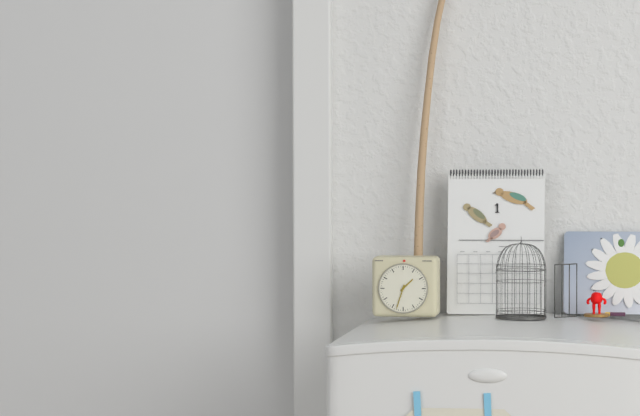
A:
1,33
